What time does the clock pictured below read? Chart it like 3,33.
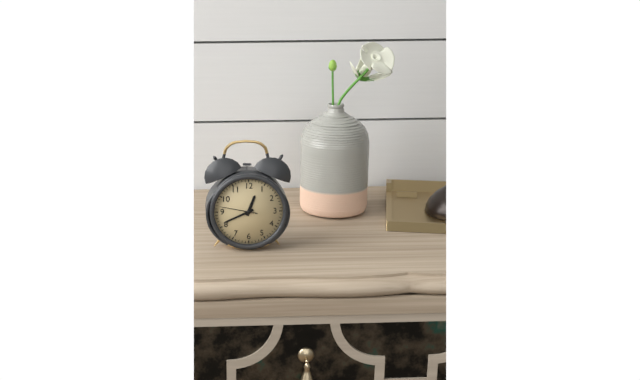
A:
12,41
